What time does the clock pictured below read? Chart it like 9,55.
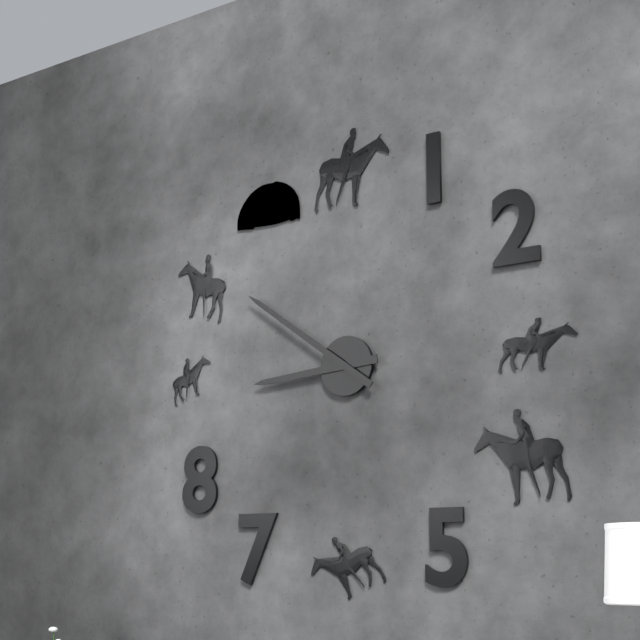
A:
8,51
